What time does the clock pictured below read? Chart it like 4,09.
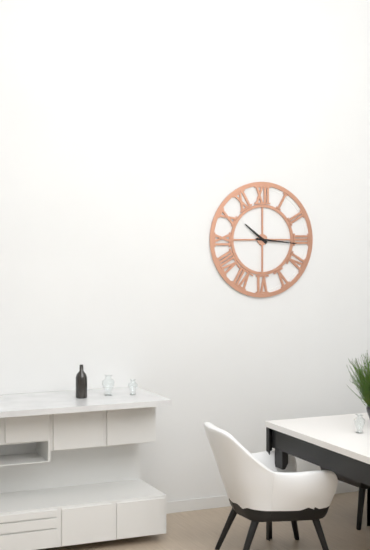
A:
10,16
